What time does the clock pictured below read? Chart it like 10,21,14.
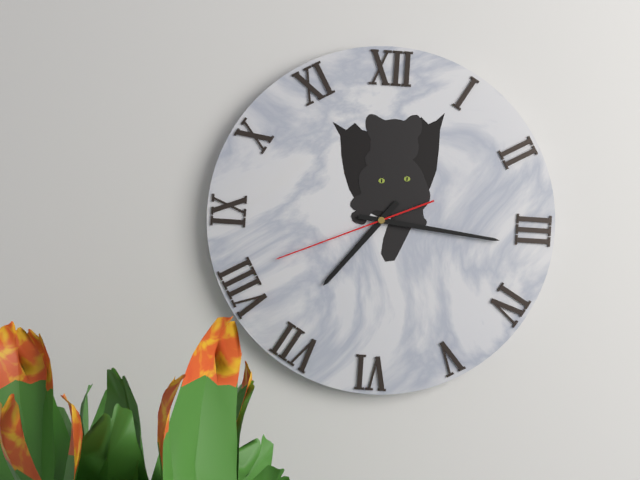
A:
7,16,41
